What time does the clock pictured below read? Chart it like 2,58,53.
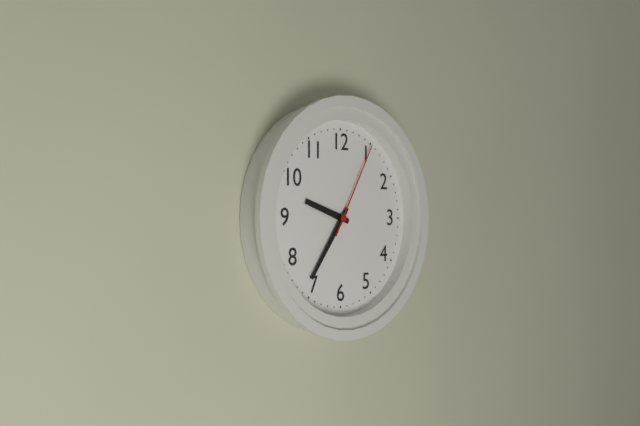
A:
9,36,05
